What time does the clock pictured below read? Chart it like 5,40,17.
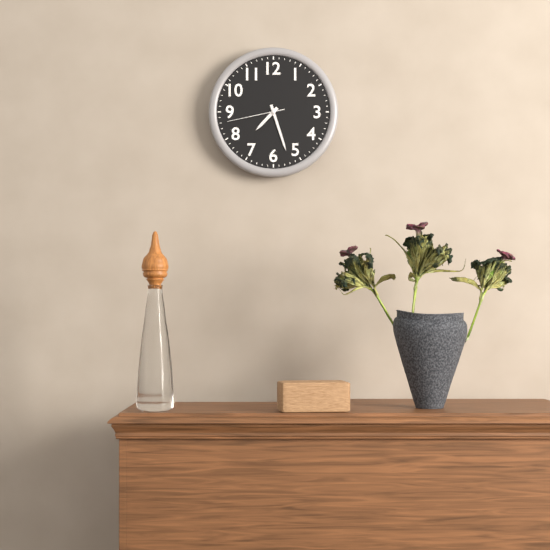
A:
7,27,43
